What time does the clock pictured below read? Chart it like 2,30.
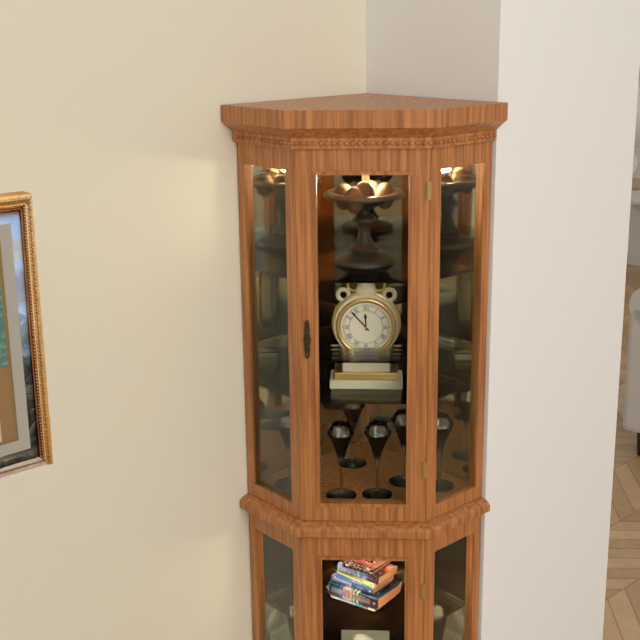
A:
11,53
